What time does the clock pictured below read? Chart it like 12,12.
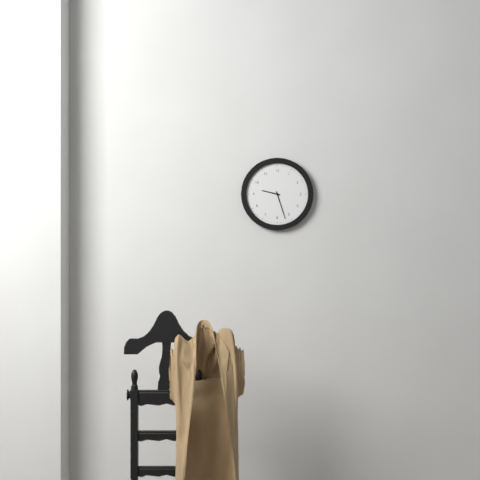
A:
9,27
